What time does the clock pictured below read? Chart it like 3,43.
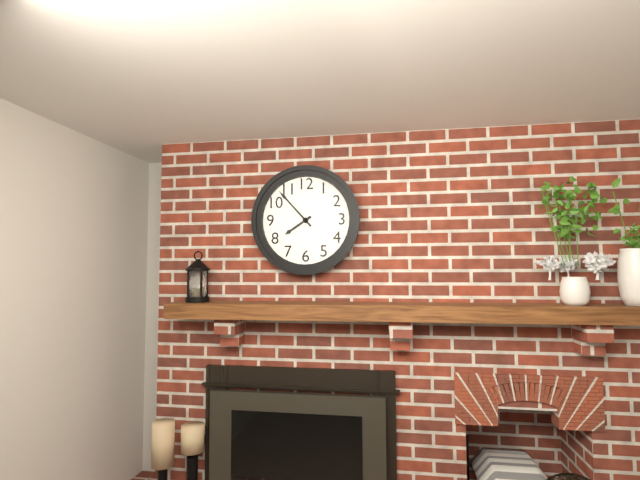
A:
7,53
